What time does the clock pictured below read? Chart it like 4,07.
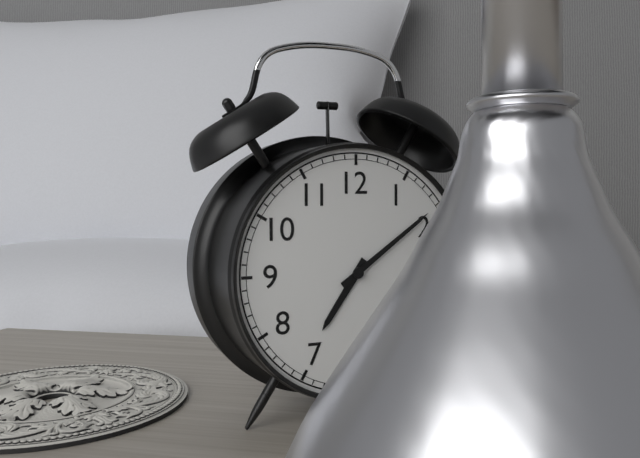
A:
7,09
